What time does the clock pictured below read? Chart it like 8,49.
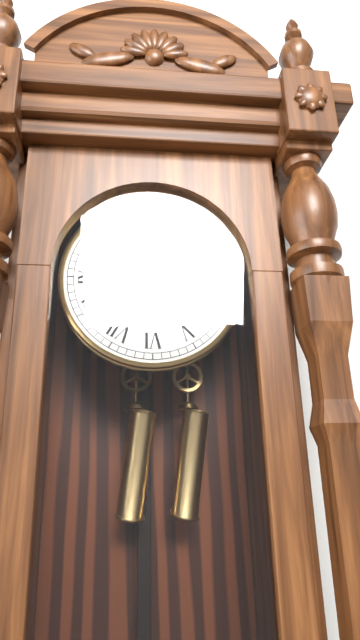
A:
9,17
